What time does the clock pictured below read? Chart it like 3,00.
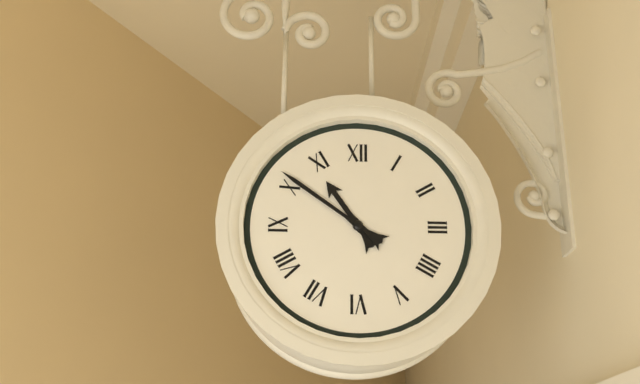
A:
10,51
